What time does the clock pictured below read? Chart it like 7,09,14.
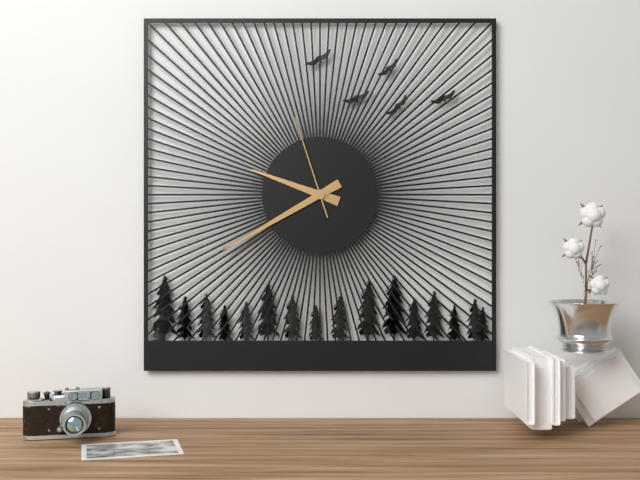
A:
9,40,57
